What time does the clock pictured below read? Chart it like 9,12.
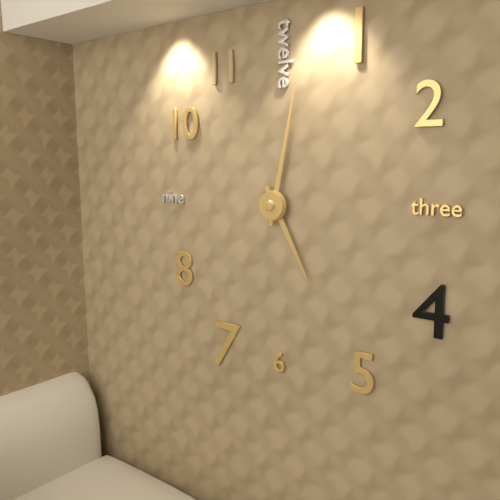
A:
5,02
